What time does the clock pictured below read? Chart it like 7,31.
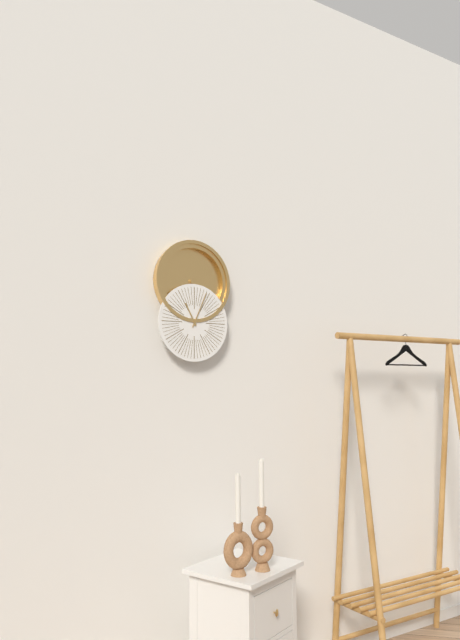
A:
11,04
